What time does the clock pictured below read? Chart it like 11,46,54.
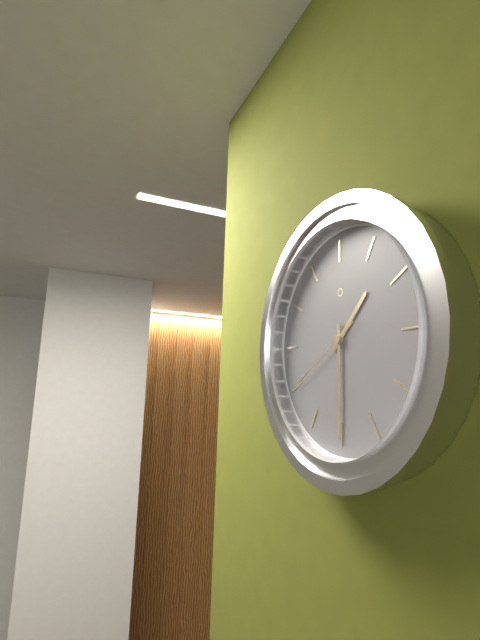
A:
1,30,40
